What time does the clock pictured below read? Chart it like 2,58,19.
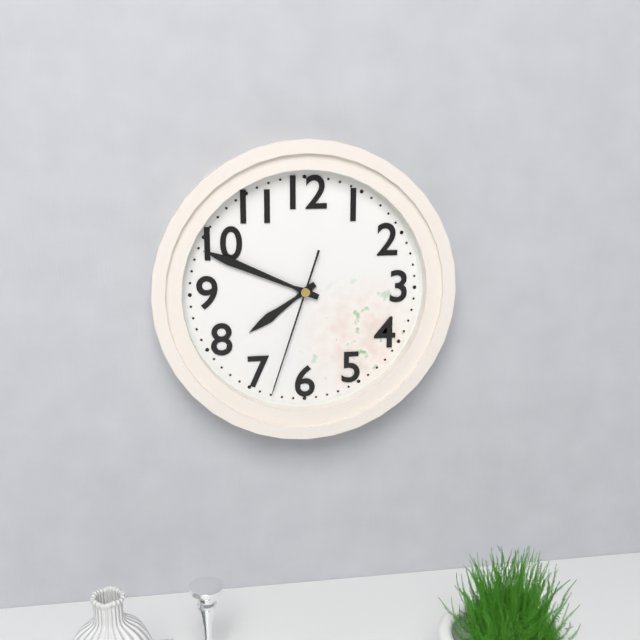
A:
7,49,33
